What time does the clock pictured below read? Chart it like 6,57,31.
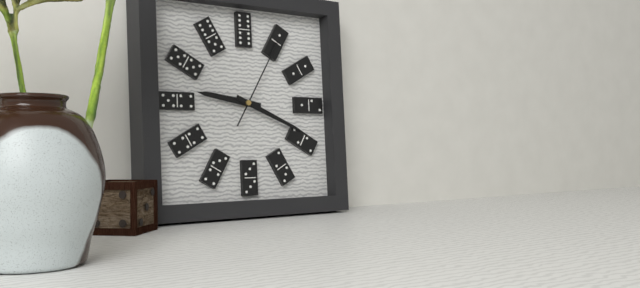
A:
9,19,05
